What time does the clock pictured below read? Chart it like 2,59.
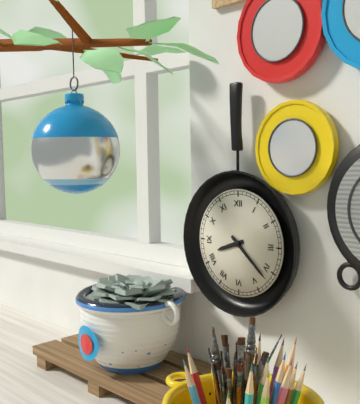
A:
8,22
